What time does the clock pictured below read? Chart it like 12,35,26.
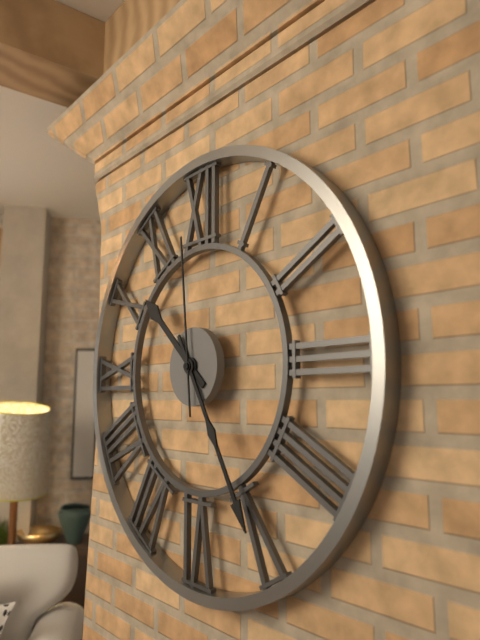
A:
10,25,59
